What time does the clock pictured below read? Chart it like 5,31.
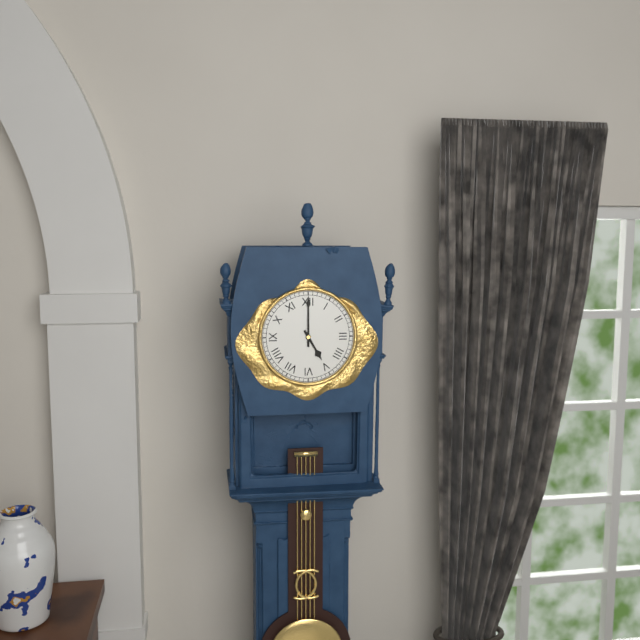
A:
5,00
